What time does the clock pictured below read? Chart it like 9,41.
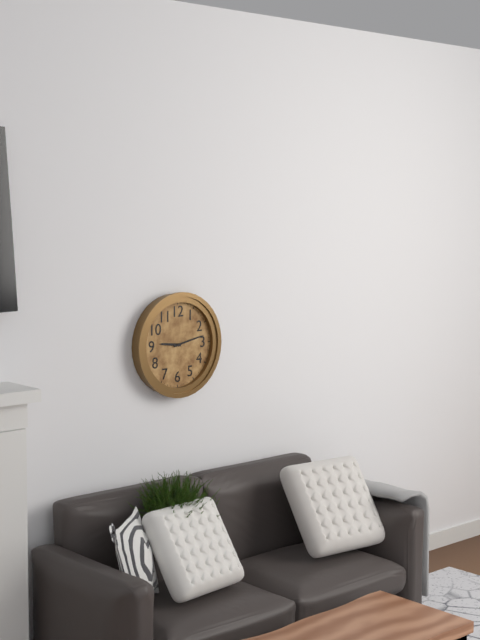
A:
9,13
